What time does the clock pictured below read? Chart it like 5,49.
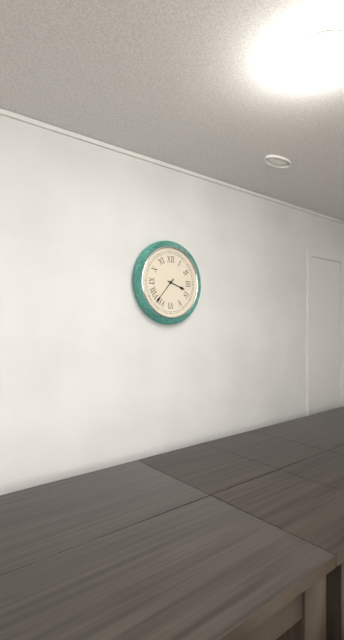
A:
3,37
